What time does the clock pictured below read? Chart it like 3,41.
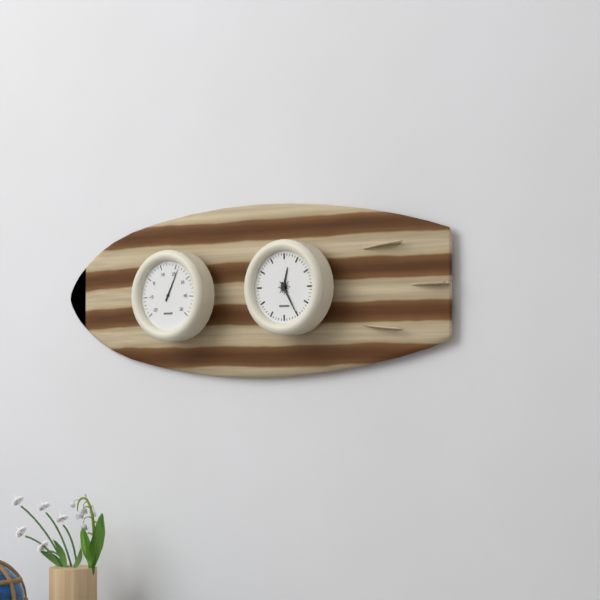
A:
12,25
